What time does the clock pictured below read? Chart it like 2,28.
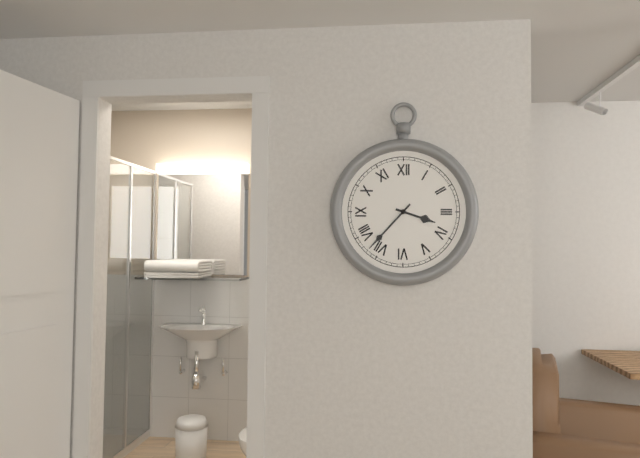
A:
3,37
